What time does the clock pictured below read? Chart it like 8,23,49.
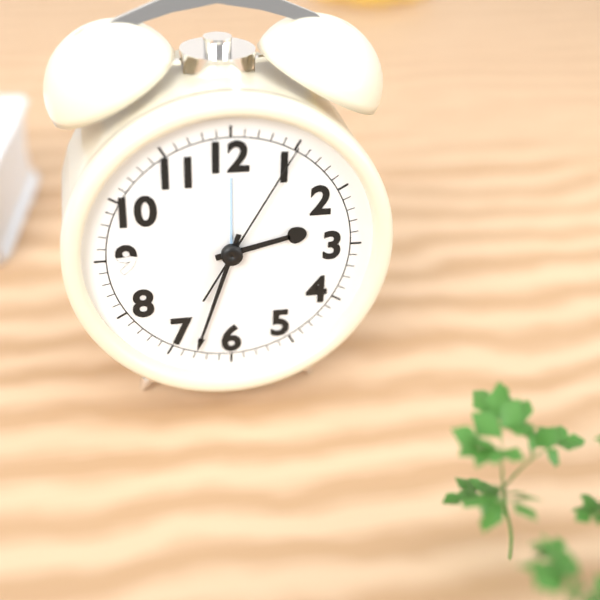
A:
2,33,05
